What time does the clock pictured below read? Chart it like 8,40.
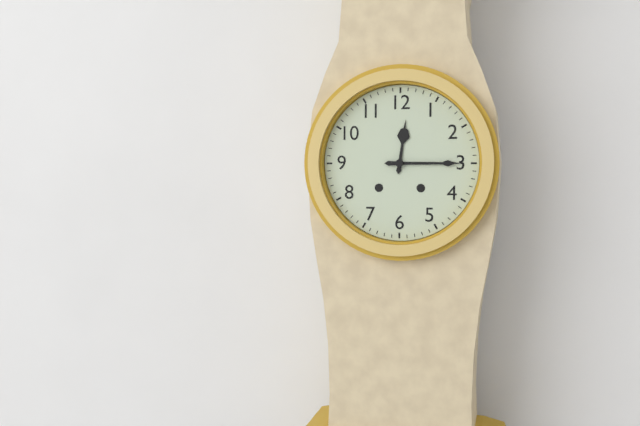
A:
12,15
